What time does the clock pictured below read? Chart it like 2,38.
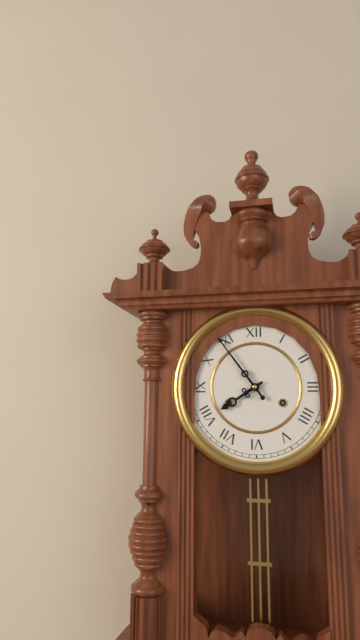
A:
7,54
